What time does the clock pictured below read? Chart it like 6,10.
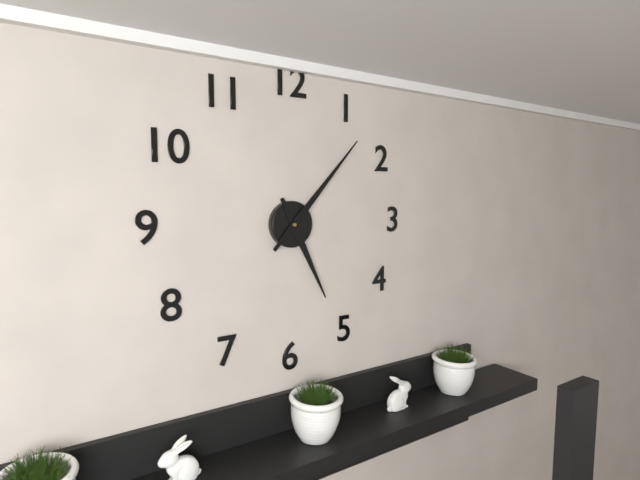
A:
5,07
